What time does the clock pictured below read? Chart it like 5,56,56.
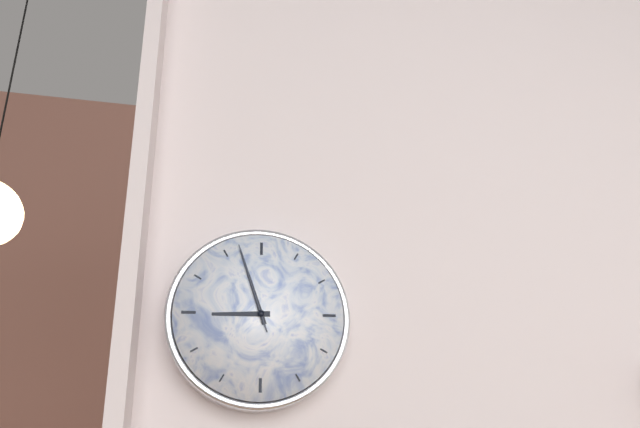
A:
8,57,57
